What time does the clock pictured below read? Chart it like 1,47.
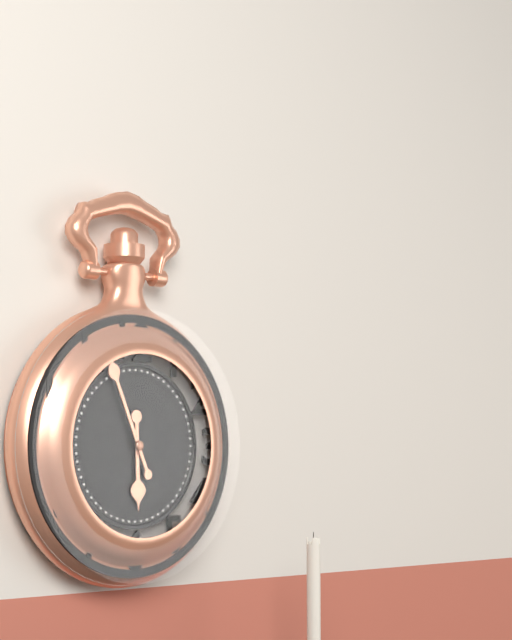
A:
5,56
